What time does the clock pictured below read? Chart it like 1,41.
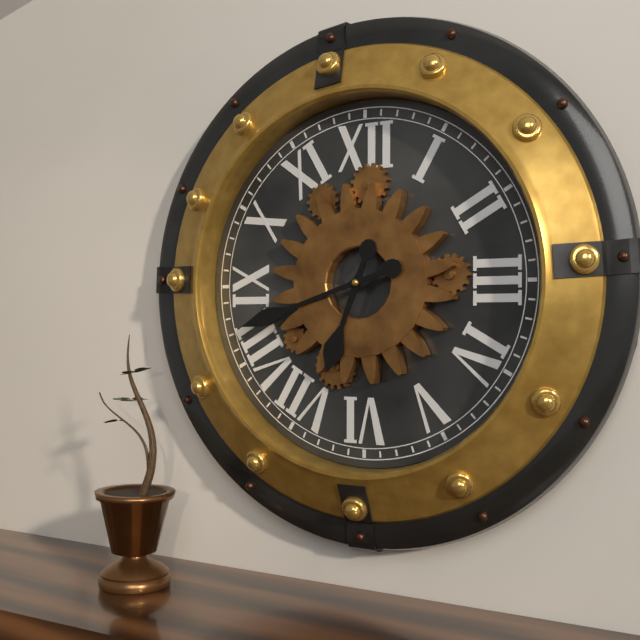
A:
6,42
